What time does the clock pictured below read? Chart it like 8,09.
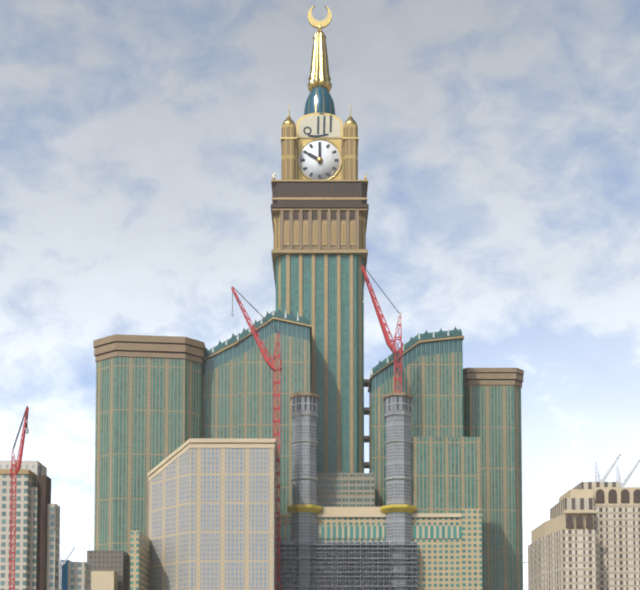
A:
10,00
